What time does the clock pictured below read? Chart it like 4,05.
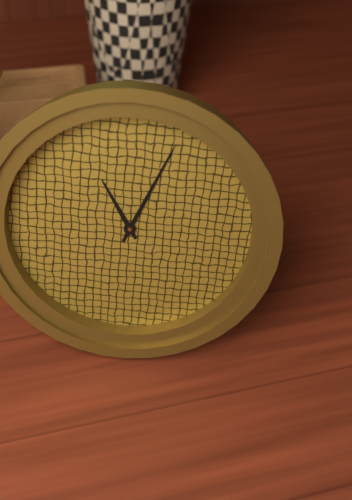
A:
11,04
